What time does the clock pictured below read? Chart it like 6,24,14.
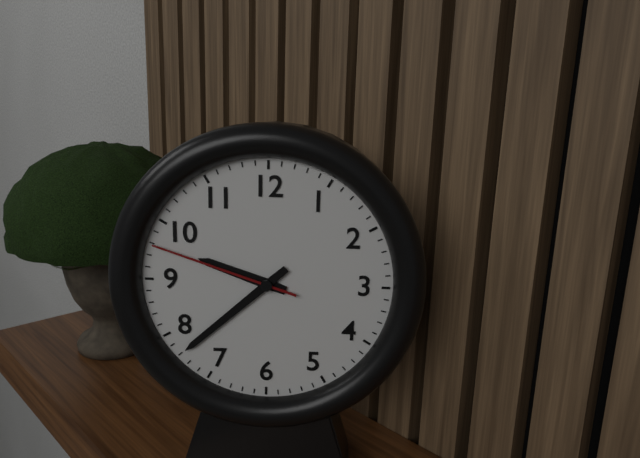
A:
9,38,48
